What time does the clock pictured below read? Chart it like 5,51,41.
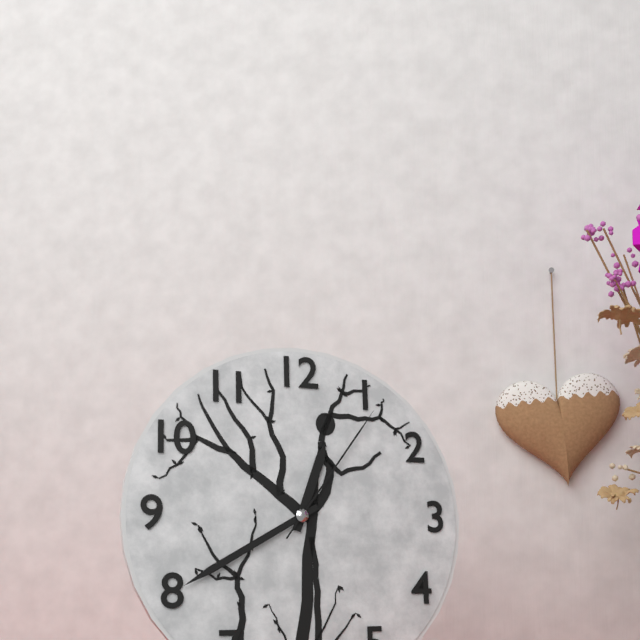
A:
12,40,06
